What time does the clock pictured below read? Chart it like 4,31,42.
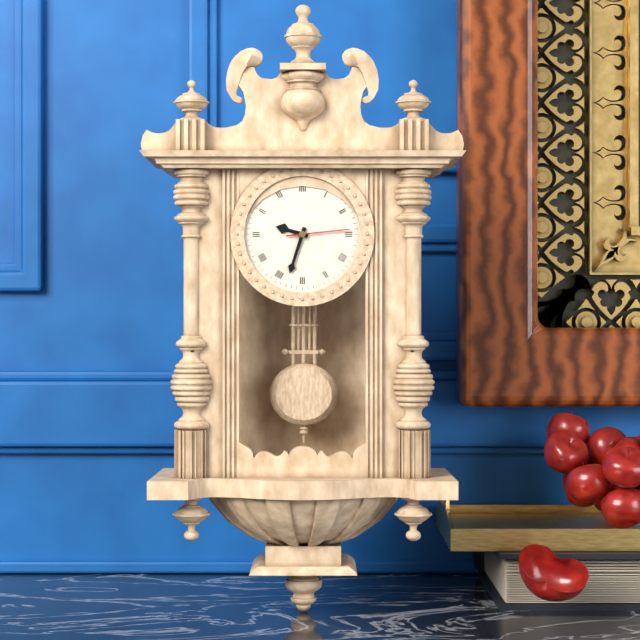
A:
9,33,14
